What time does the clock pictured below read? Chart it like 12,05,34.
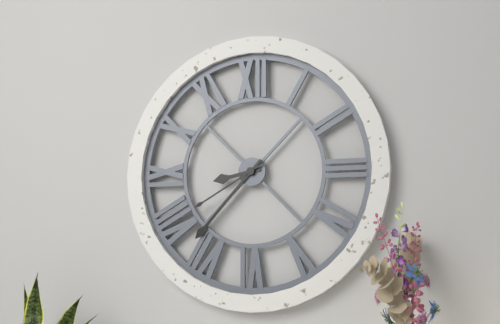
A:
8,37,40
